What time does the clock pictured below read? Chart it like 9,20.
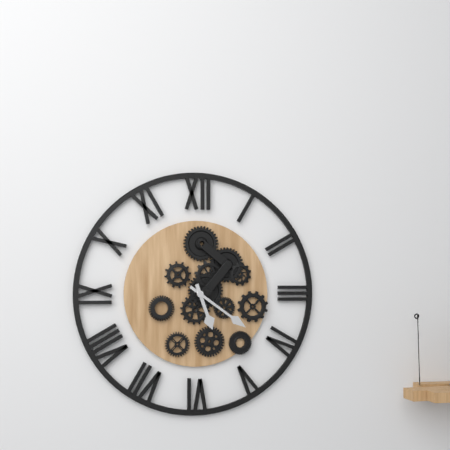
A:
5,21
